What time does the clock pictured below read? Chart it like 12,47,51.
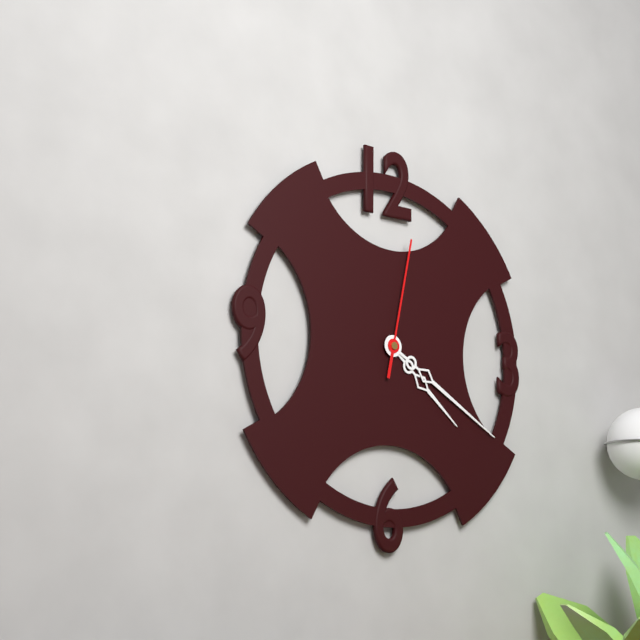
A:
4,20,02
